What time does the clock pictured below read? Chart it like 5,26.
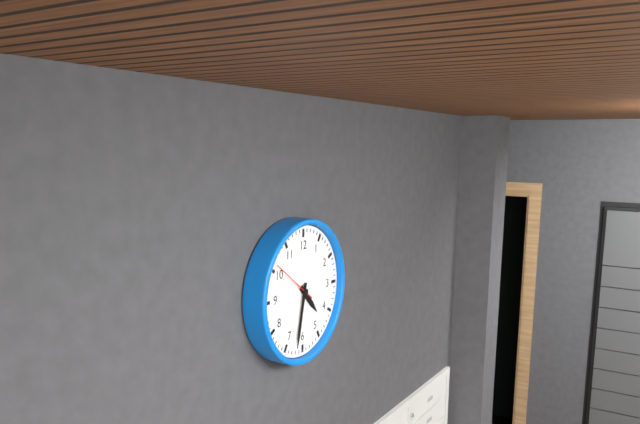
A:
4,32
